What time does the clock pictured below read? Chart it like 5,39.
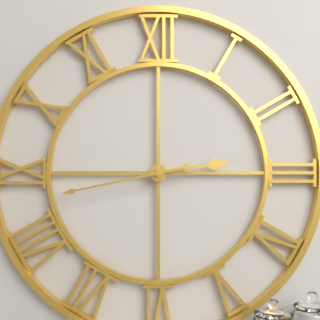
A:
2,43
